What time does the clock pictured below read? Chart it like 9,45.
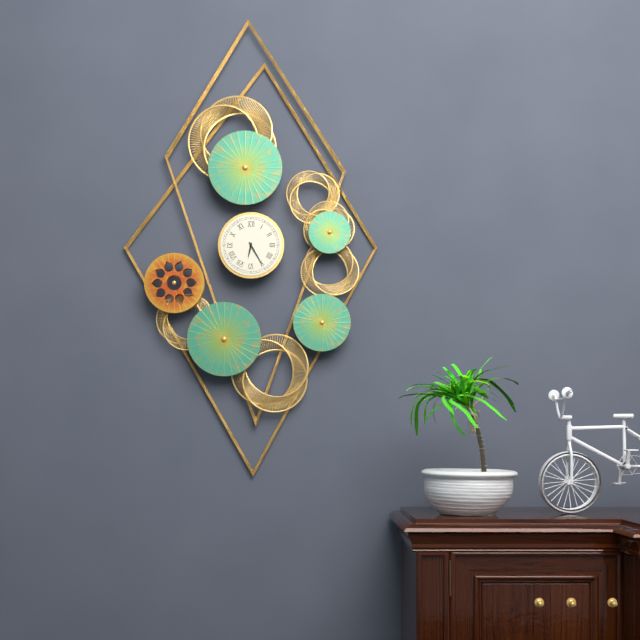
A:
6,25
